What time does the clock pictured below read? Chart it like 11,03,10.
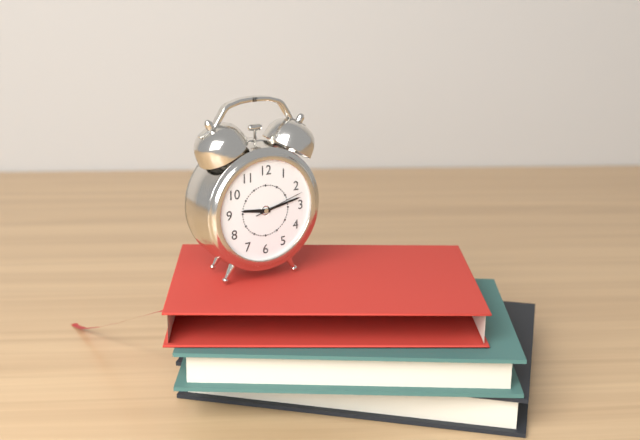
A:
9,13,12
